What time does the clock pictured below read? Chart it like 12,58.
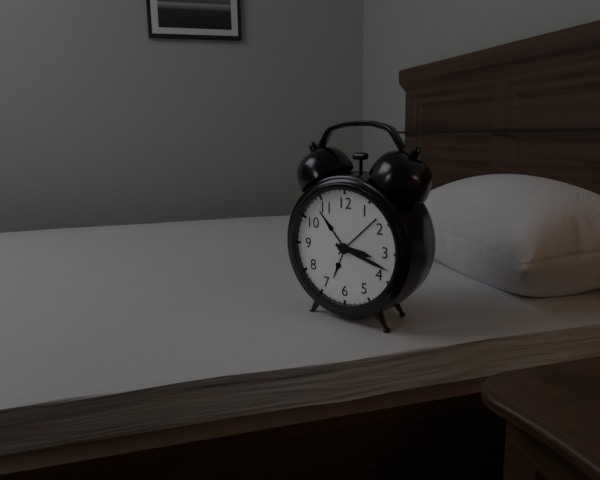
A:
3,18
